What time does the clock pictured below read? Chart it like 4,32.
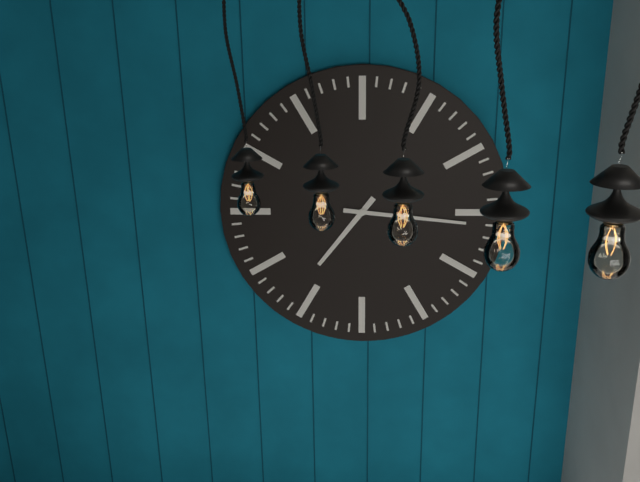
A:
7,16
